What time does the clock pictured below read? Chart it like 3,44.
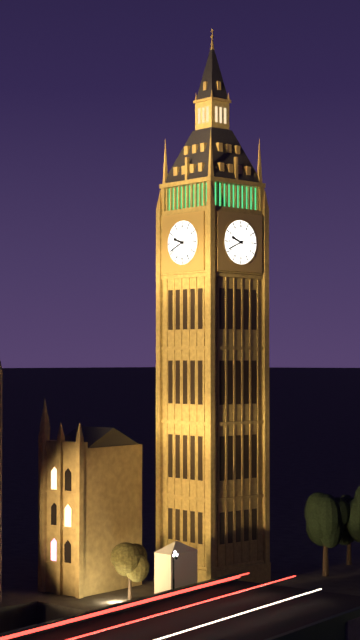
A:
9,41
